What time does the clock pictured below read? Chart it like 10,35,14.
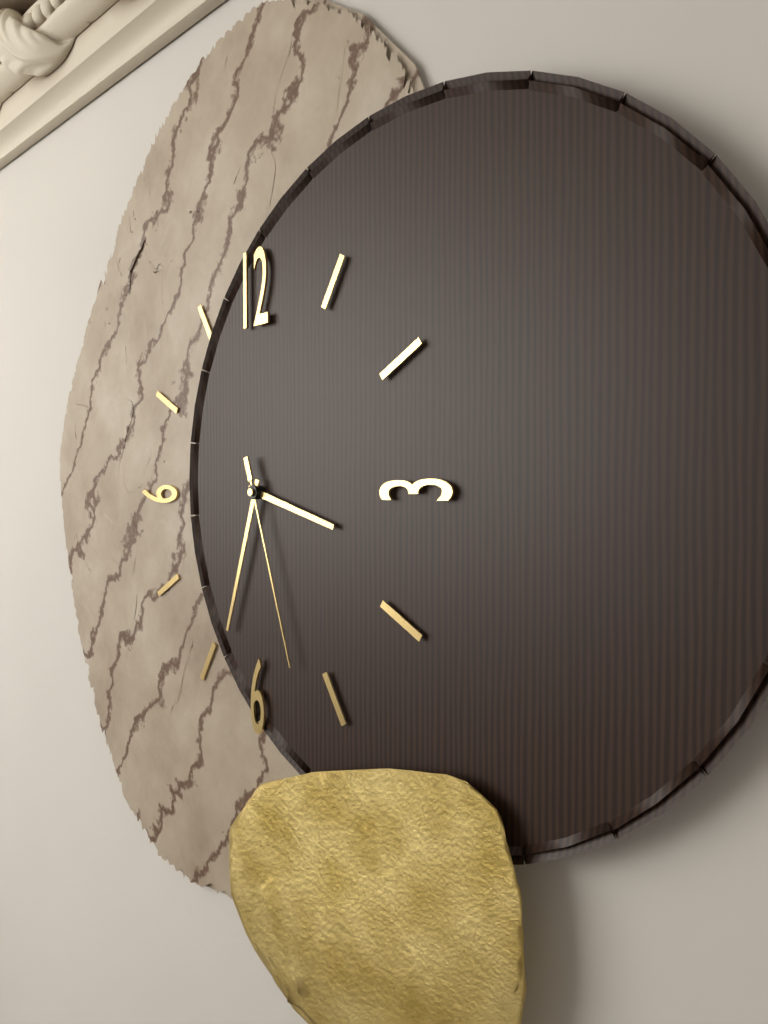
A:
3,33,27
